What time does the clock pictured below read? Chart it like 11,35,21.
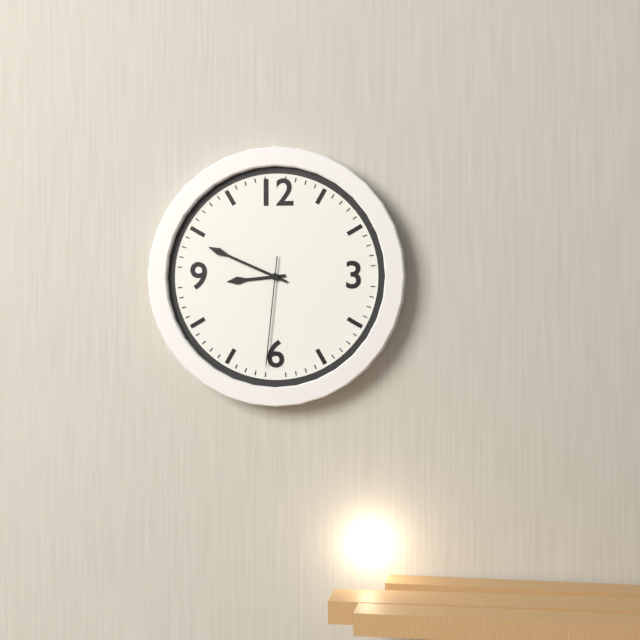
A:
8,49,31
